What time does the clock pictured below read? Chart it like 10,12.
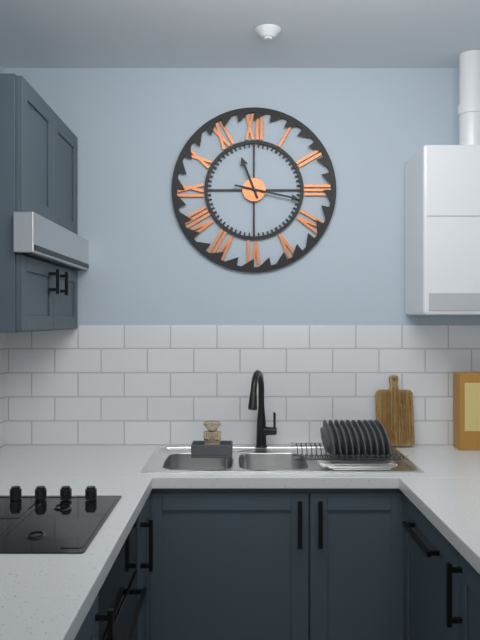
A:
11,17
